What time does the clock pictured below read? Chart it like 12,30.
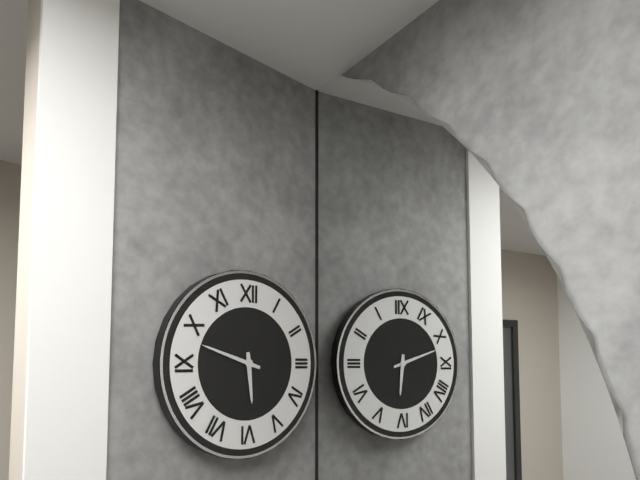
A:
5,48
